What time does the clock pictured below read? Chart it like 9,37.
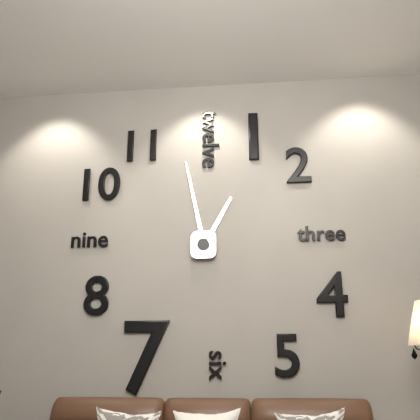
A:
12,58
